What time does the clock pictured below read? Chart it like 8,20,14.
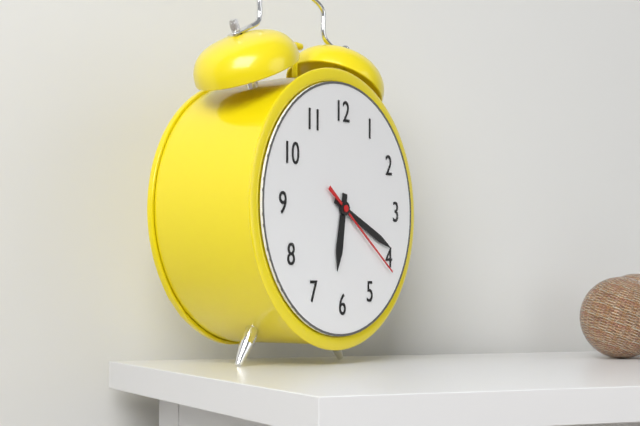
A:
6,19,21
